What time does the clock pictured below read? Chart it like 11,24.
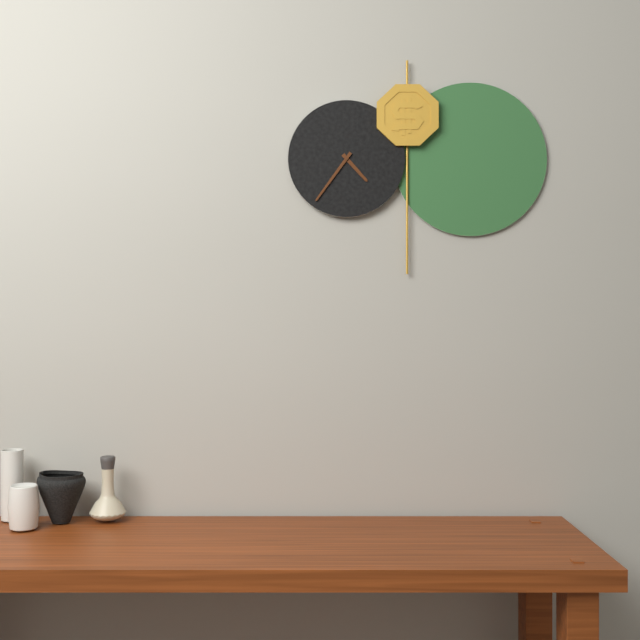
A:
4,36
